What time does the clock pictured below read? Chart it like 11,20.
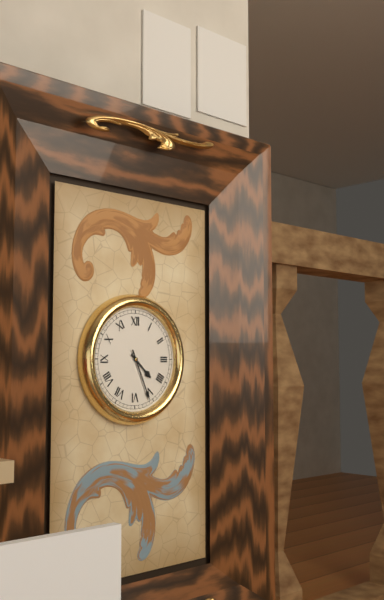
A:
4,26
